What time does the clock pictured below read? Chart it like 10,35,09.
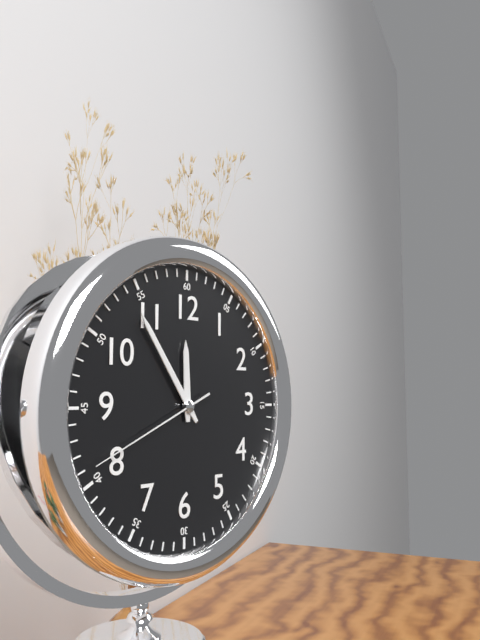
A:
11,54,41
